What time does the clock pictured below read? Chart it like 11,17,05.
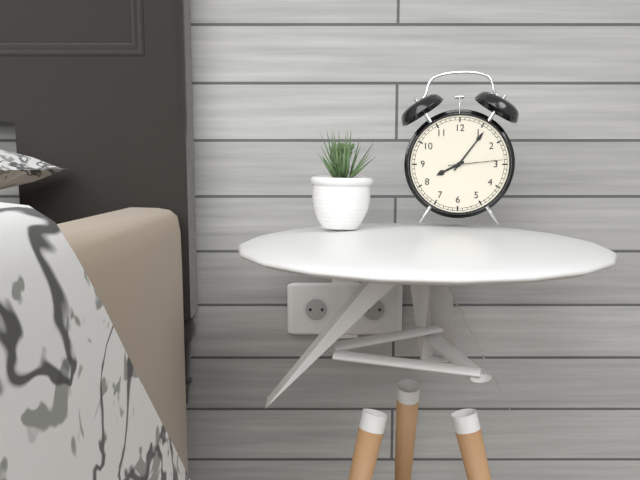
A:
8,06,14
